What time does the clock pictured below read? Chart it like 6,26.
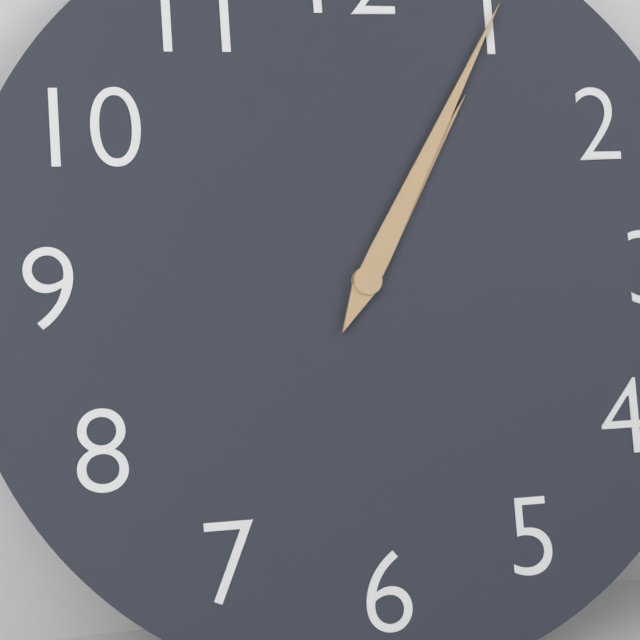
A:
1,05
